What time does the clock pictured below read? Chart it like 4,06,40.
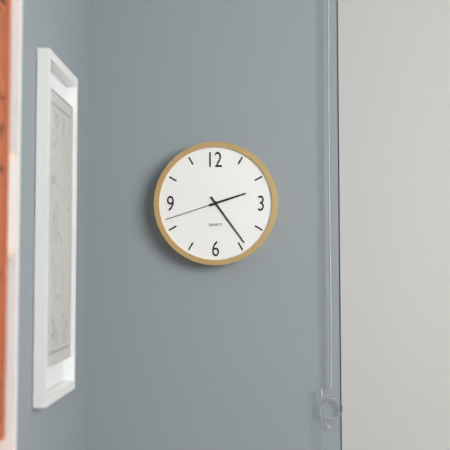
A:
2,24,42
